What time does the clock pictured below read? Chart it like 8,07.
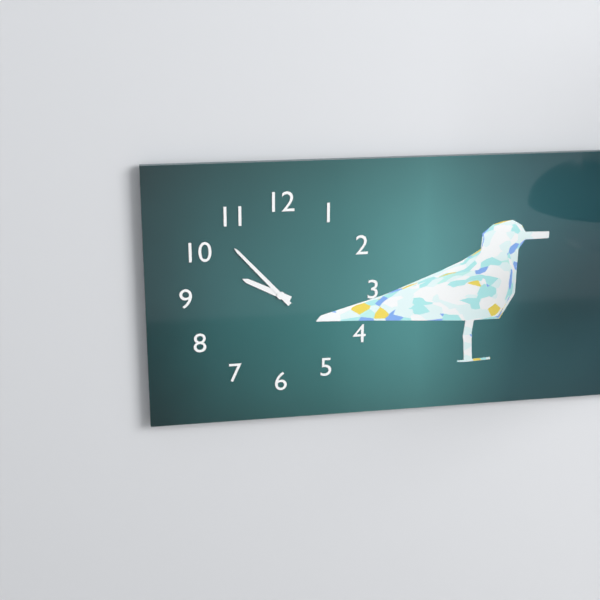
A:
9,53
